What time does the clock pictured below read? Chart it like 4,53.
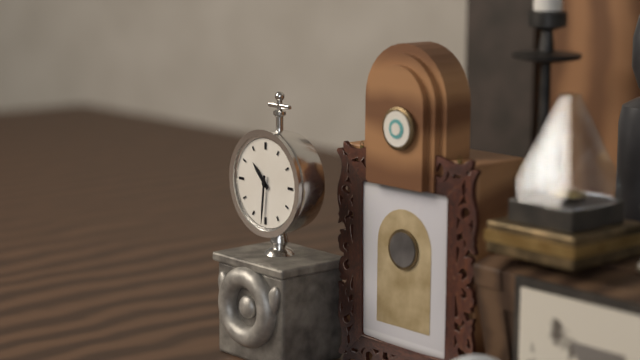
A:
10,31
